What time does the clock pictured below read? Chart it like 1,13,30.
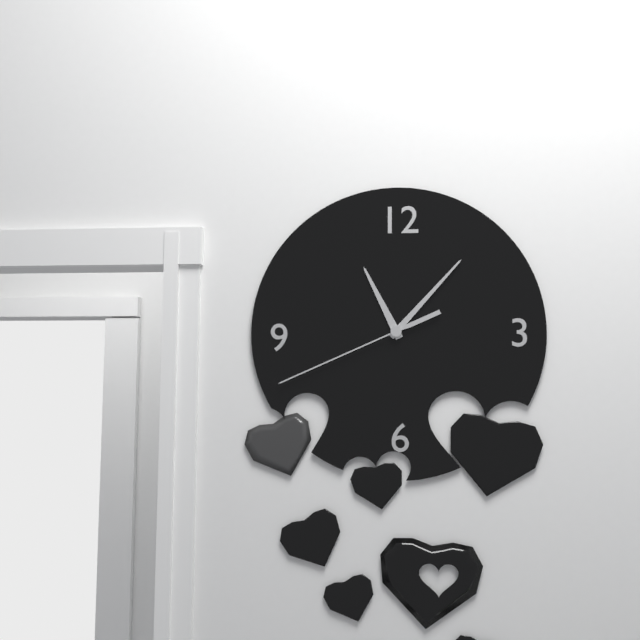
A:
11,07,41
